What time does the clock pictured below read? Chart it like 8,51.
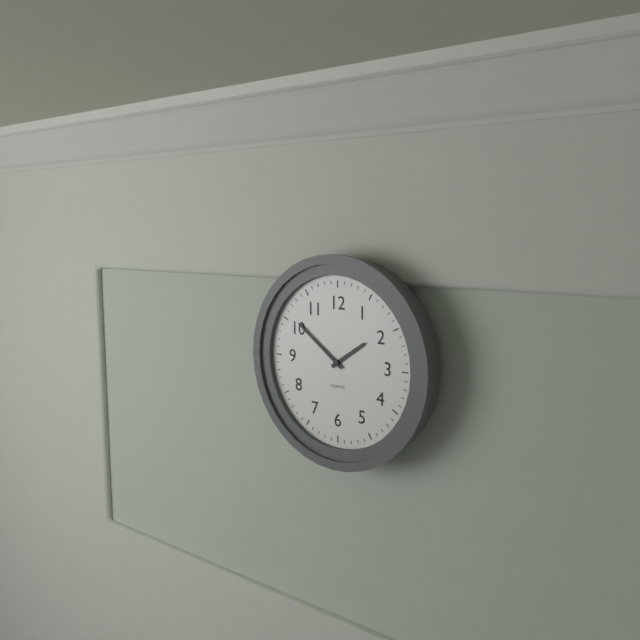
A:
1,51
